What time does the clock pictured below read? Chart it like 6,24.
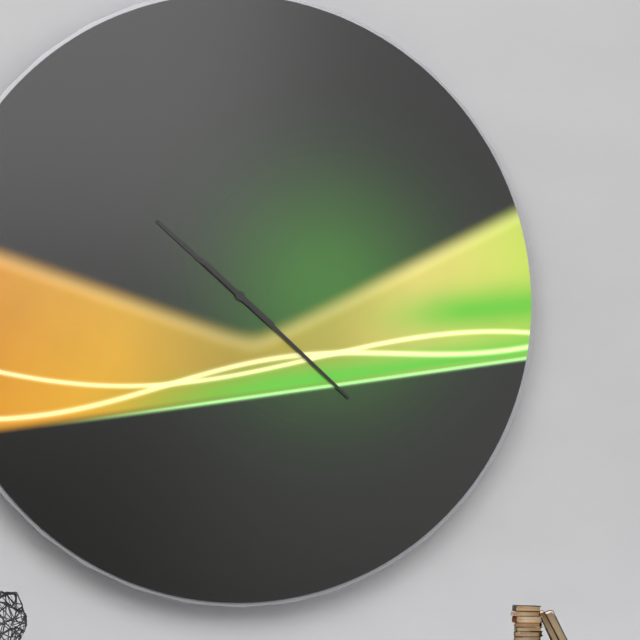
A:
10,22
